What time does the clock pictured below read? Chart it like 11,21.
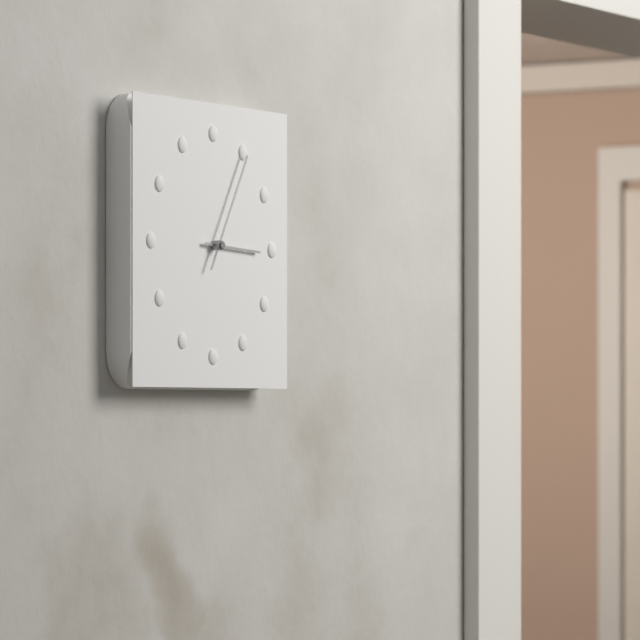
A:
3,05
